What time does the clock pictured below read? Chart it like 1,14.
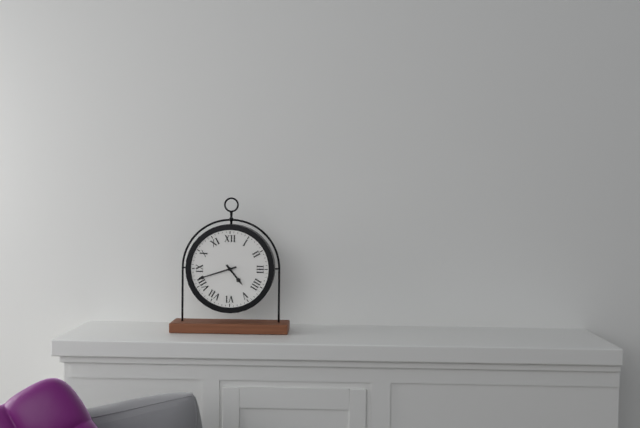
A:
4,42
